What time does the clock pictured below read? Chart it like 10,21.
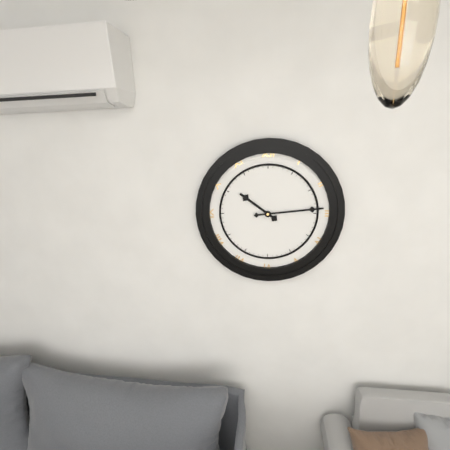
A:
10,14
